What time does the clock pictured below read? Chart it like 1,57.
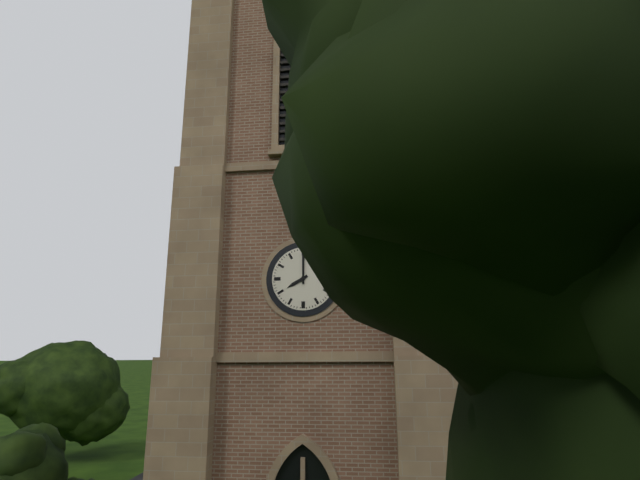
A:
8,00
